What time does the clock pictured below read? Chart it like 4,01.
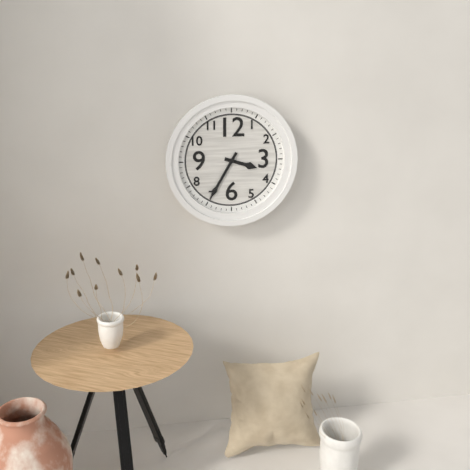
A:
3,35
